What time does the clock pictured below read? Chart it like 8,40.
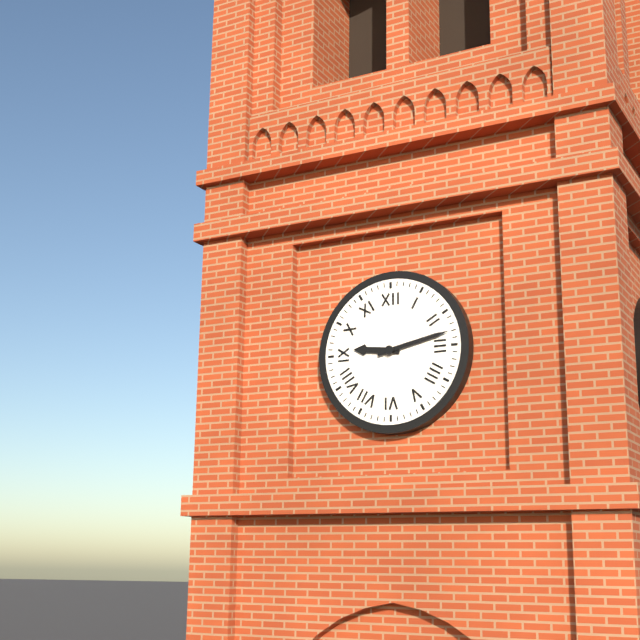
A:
9,13
